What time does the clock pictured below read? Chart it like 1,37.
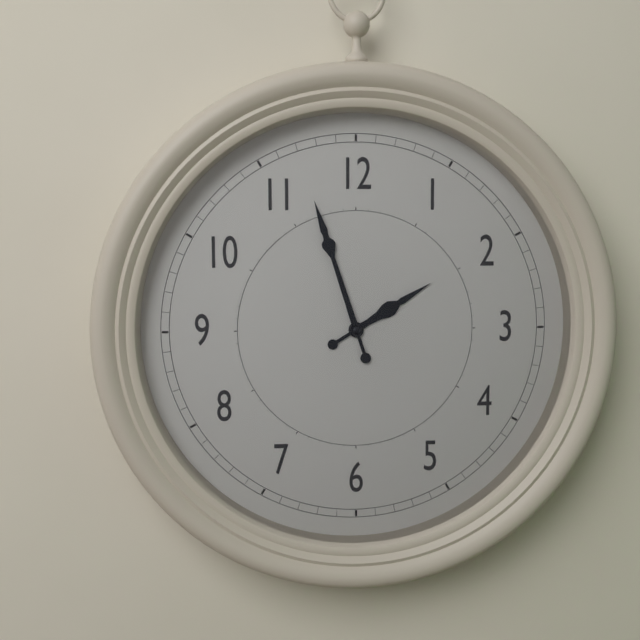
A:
1,57
